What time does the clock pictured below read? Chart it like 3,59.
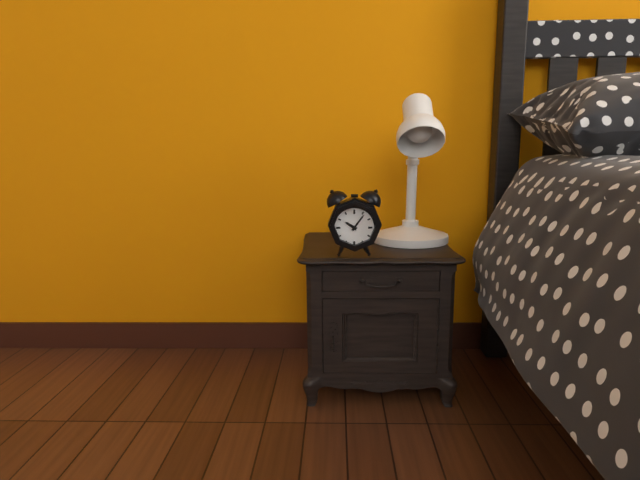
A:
10,06
